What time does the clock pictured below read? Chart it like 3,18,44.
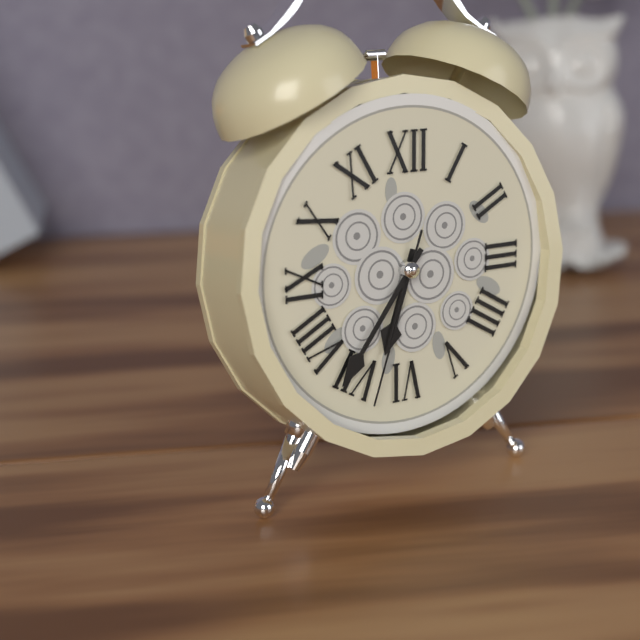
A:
6,36,33
